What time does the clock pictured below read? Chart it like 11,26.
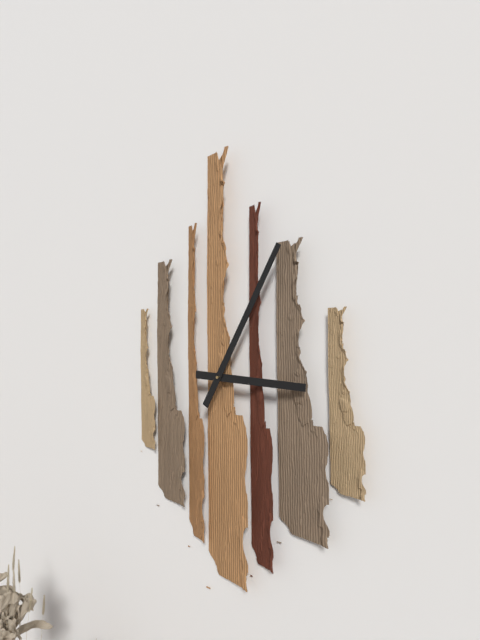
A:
3,05
